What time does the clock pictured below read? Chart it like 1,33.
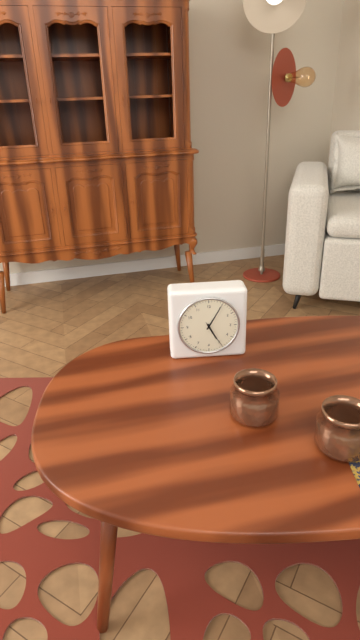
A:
5,05
